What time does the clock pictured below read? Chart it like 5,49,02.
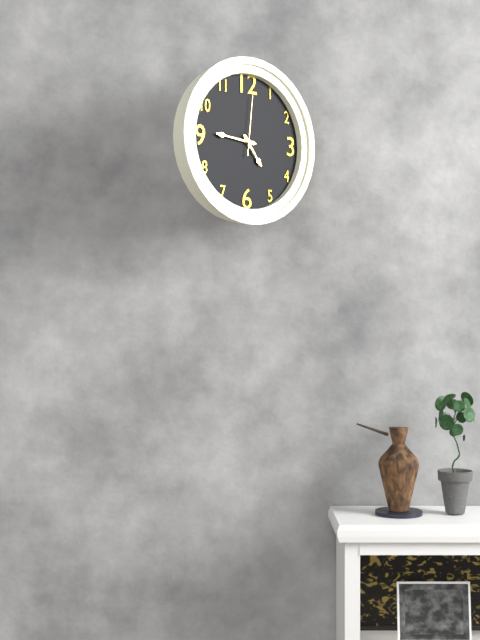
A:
4,46,01
